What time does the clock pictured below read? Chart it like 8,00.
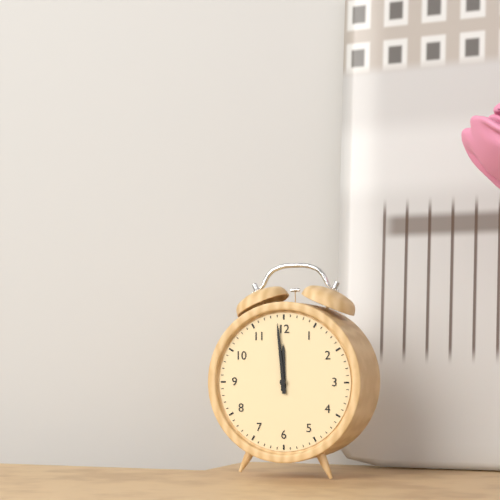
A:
11,59
